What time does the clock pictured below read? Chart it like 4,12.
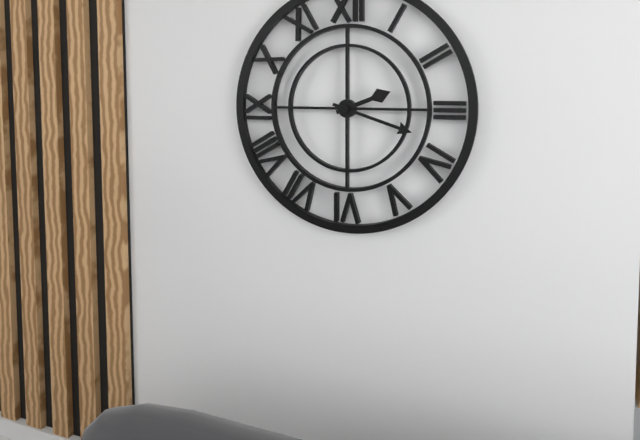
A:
2,18
